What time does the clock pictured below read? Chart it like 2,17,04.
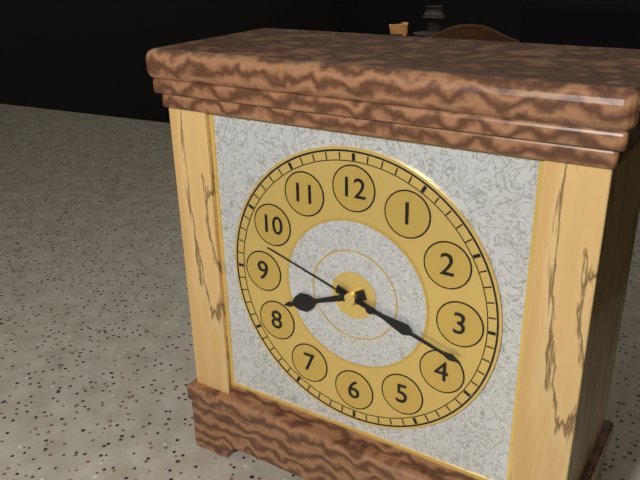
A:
8,18,48
